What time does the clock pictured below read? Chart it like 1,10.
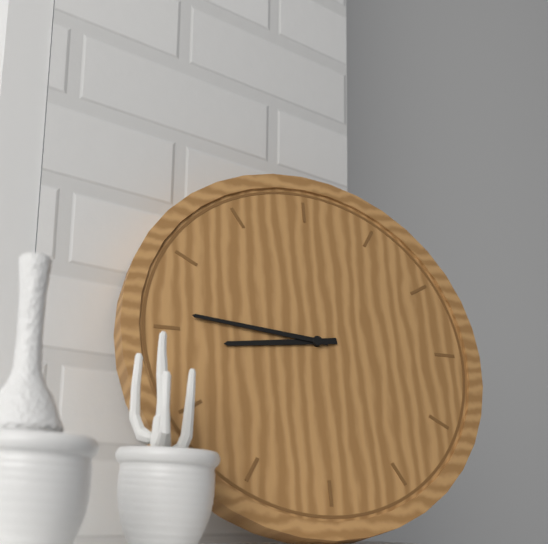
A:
8,46
